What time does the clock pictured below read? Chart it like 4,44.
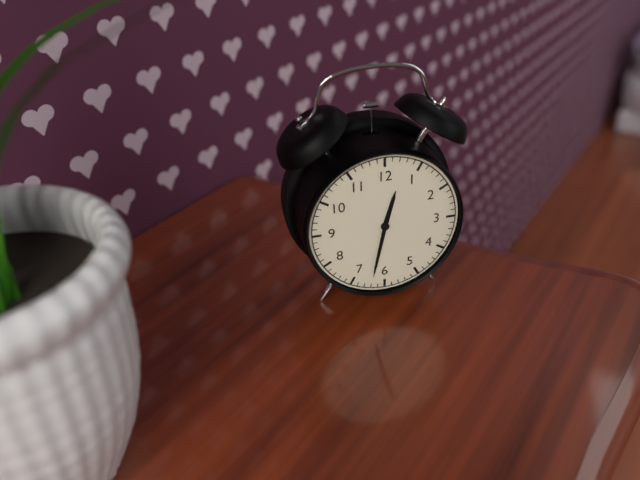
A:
12,32
